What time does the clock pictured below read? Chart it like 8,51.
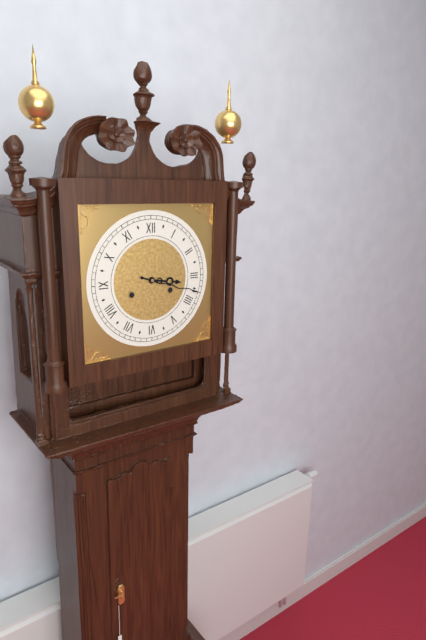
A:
3,18
